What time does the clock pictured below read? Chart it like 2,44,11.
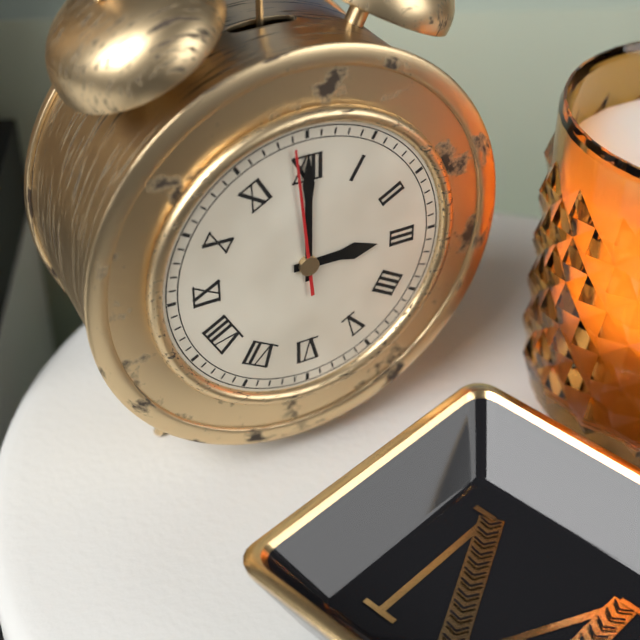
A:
3,00,59
